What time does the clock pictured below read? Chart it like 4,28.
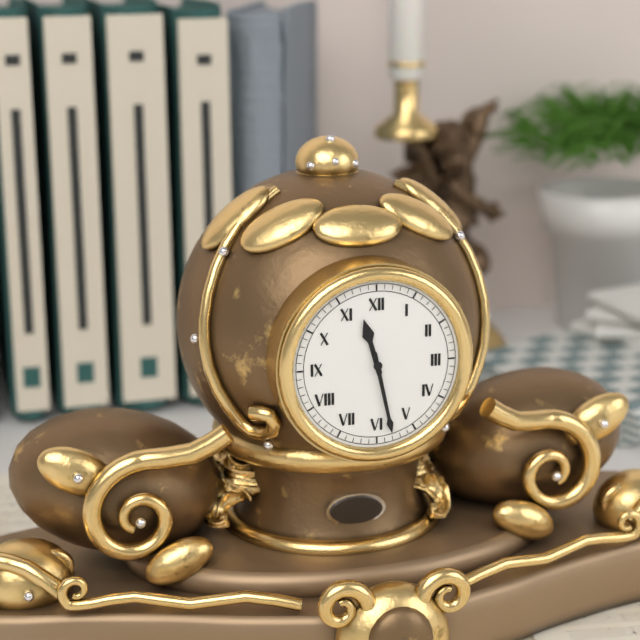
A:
11,28
